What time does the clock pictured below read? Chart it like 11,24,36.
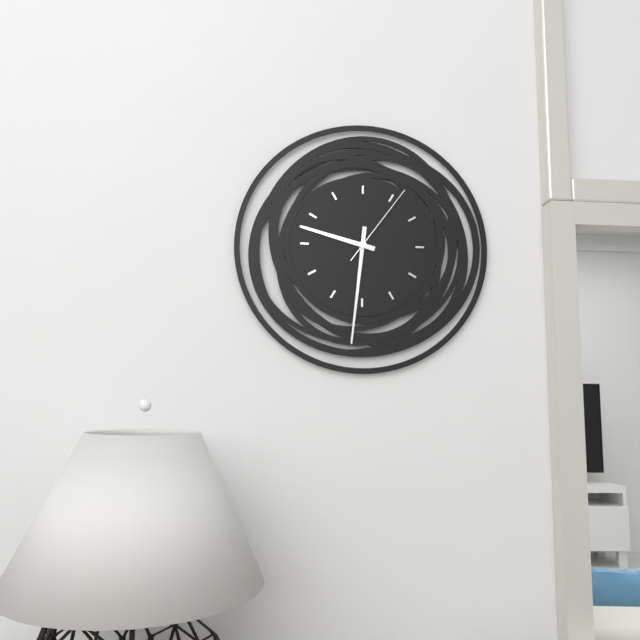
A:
9,31,06
